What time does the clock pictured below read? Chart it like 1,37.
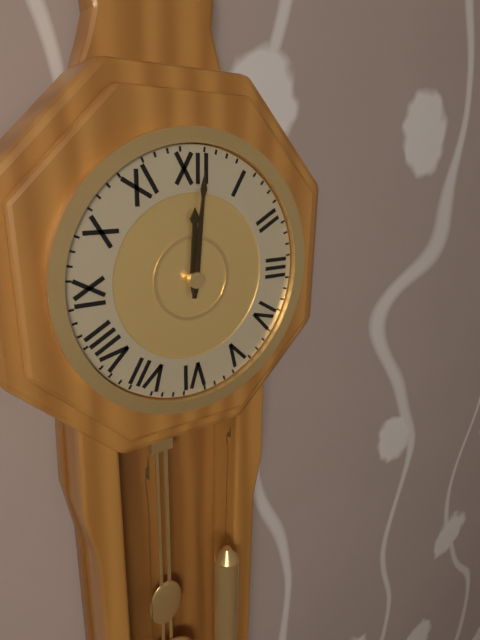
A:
12,01
